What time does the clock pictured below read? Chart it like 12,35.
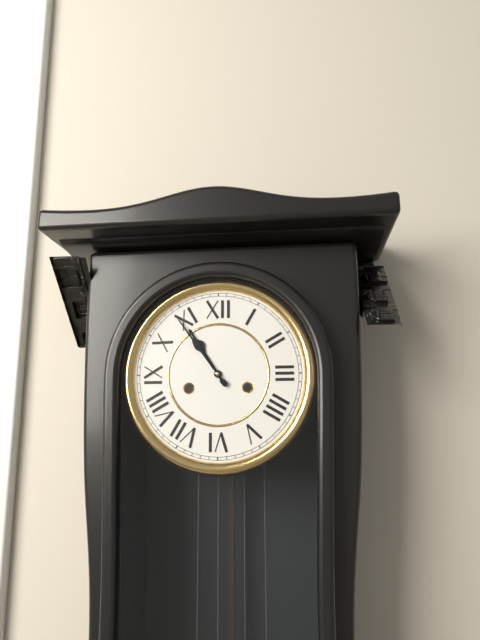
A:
10,54
